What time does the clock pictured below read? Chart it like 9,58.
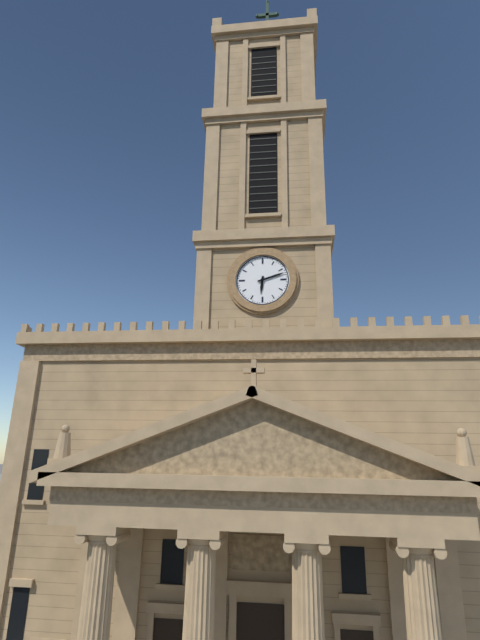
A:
6,12
